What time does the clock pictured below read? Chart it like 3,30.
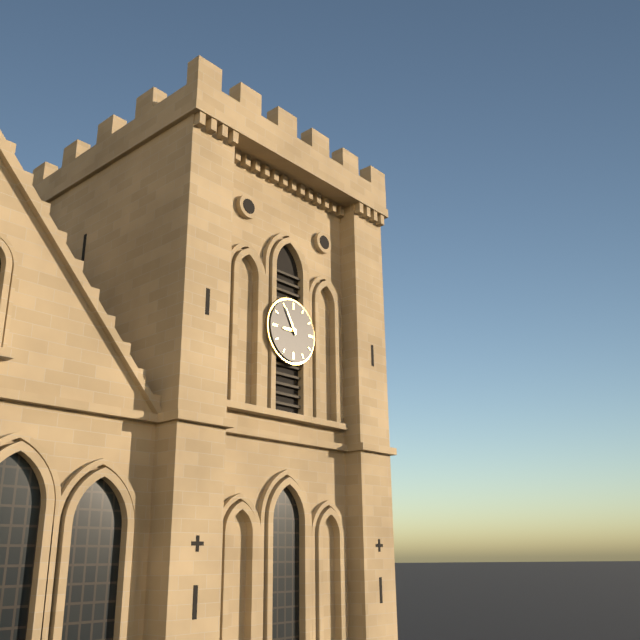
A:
8,55
